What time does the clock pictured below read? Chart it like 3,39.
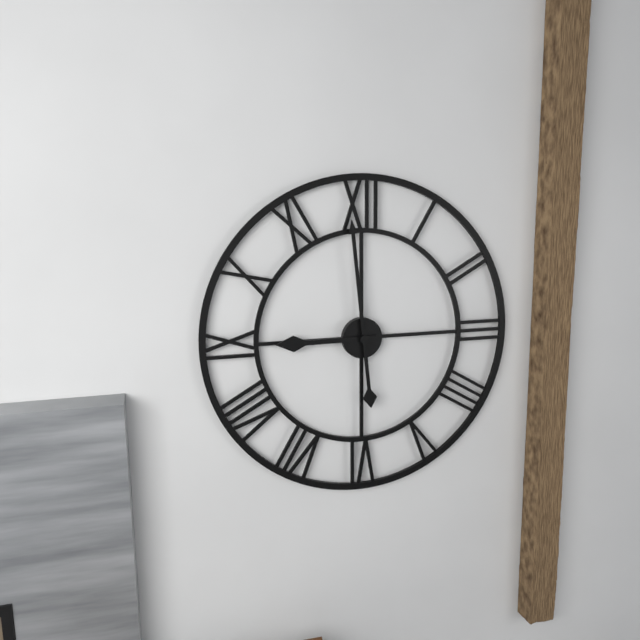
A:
8,59
